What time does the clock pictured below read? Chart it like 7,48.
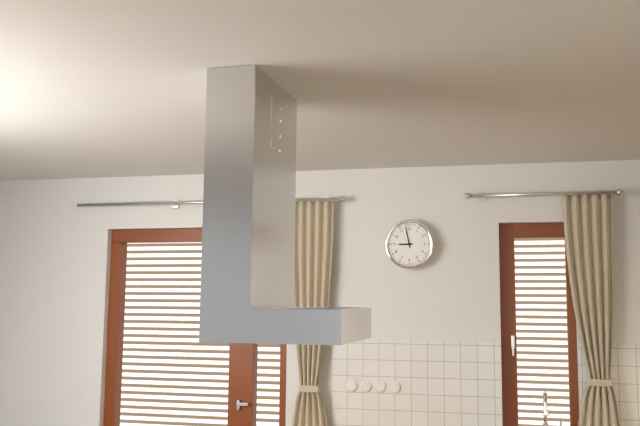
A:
8,58
